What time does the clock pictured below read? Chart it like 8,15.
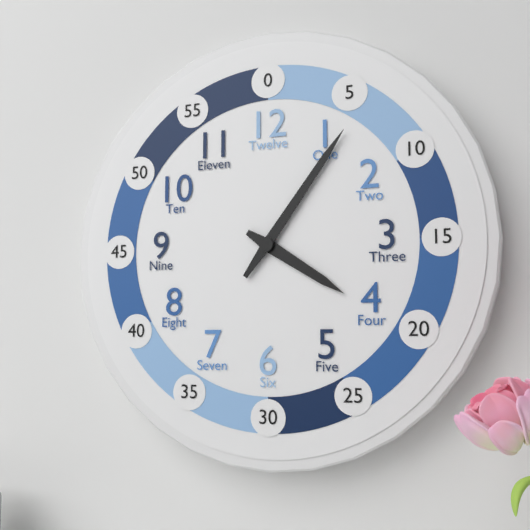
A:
4,06
